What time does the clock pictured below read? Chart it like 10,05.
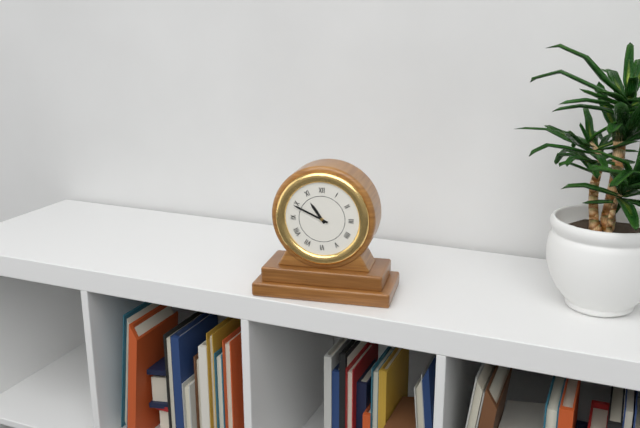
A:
10,49
